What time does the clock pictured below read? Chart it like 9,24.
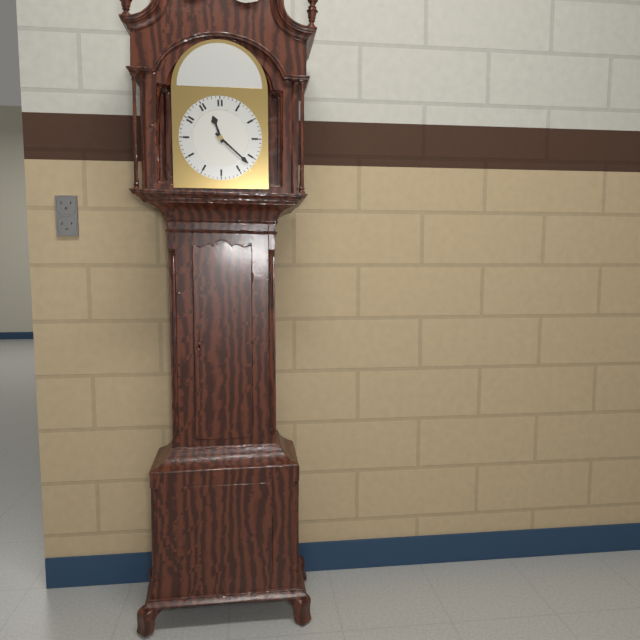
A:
11,22
